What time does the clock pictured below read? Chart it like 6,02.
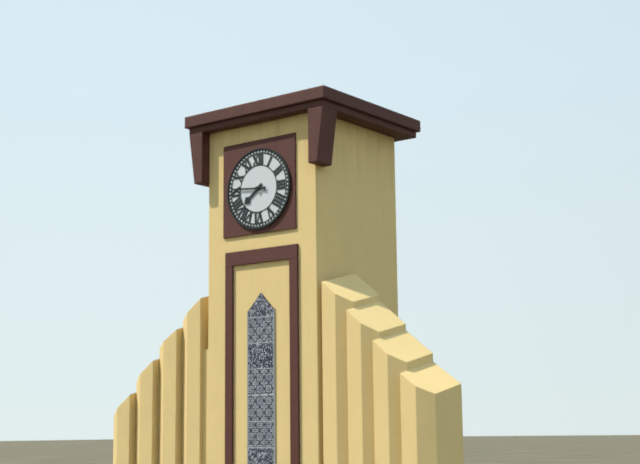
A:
7,46
